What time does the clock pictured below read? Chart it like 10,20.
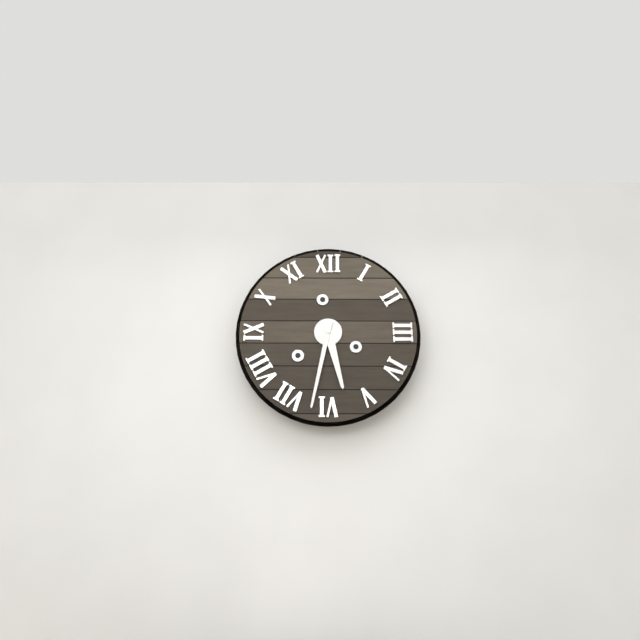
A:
5,32
